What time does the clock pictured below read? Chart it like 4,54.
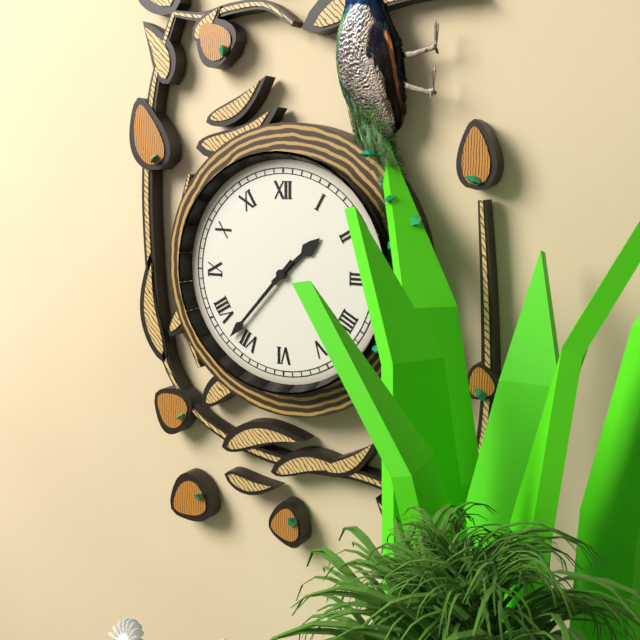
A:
1,37
